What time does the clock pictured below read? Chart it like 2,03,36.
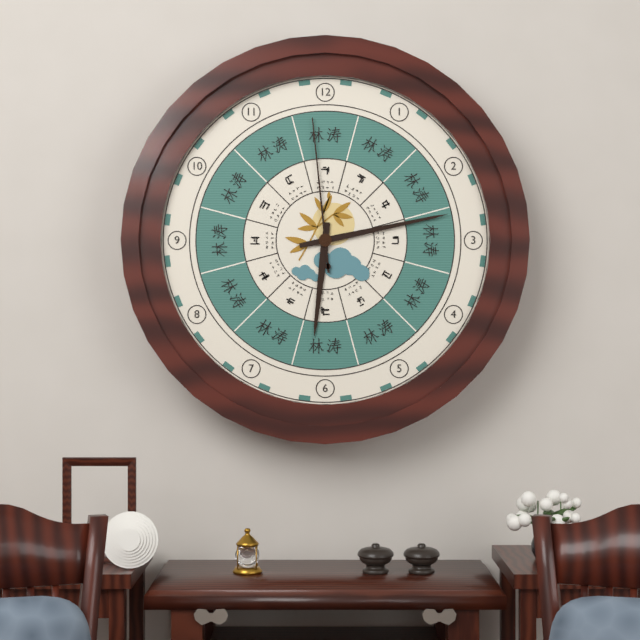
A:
6,13,59
